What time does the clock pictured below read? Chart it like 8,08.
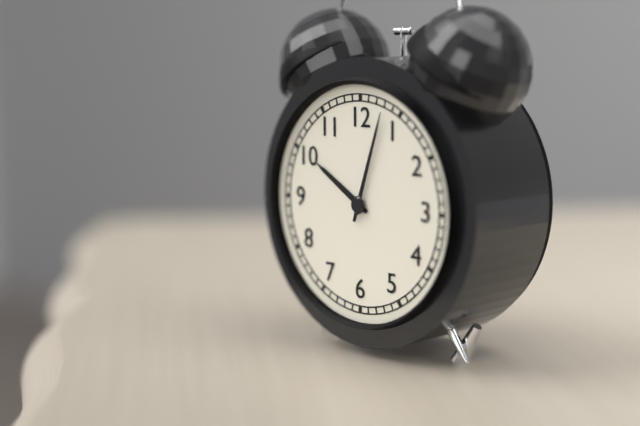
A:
10,03
